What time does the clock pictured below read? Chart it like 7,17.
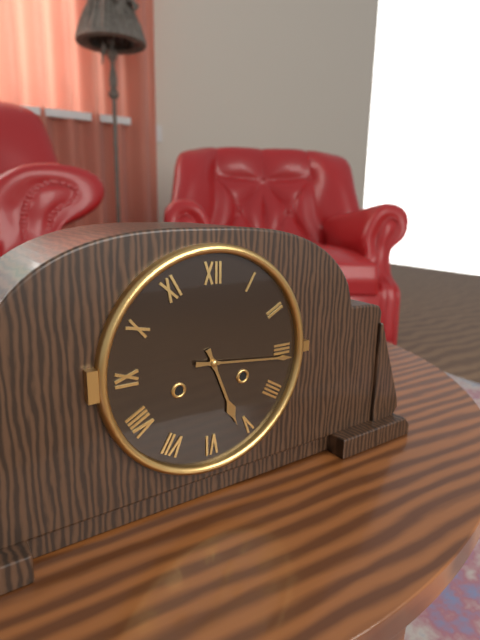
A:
5,16
